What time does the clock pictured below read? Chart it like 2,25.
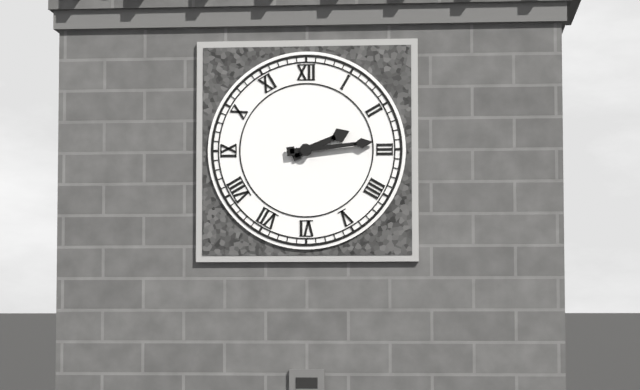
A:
2,14
